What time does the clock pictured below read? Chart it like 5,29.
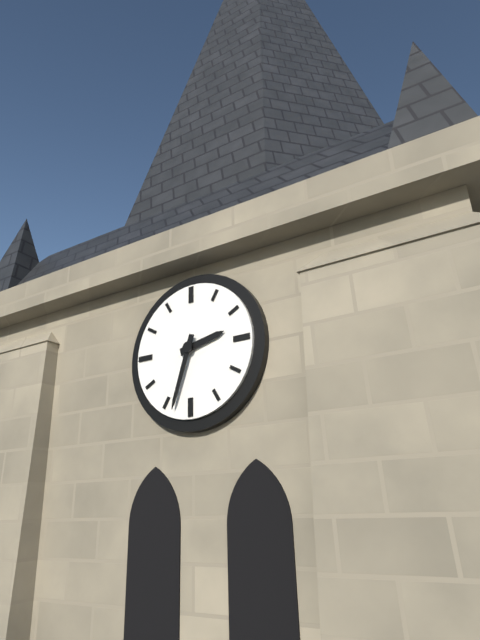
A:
2,33
